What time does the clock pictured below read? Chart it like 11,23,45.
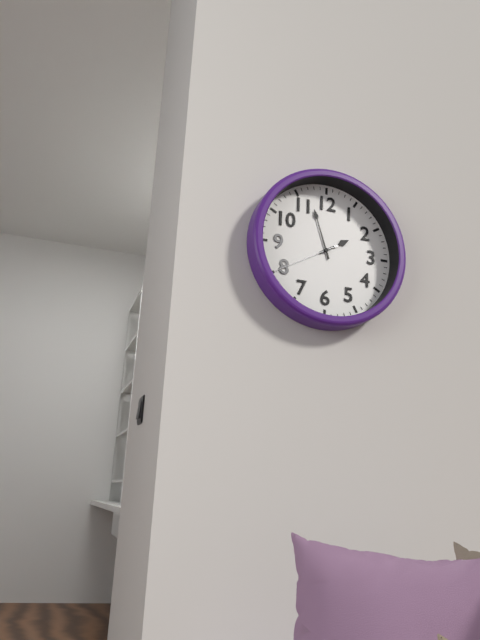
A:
1,57,40
